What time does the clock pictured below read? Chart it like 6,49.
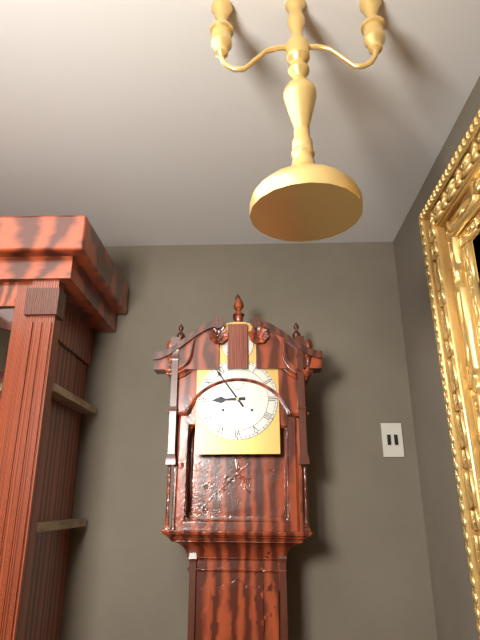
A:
8,54
